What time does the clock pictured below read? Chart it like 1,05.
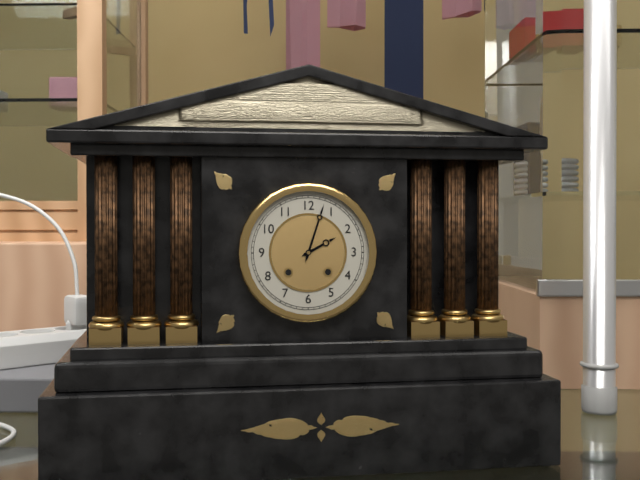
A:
2,03
